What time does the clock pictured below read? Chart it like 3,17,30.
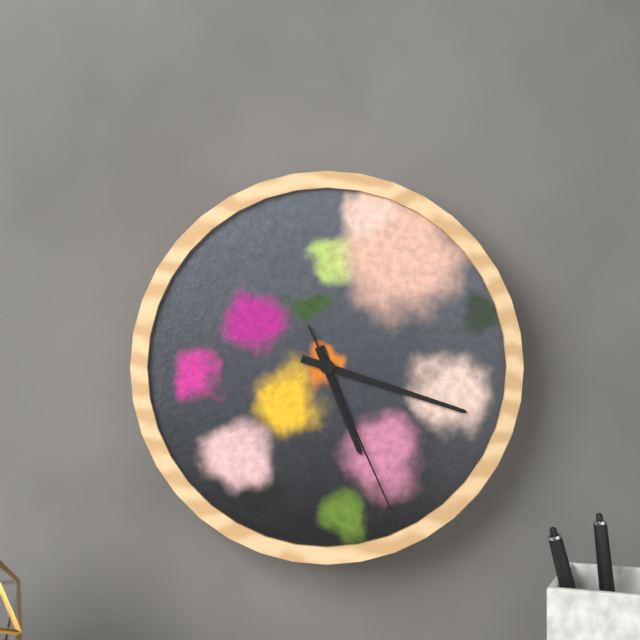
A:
5,18,26
